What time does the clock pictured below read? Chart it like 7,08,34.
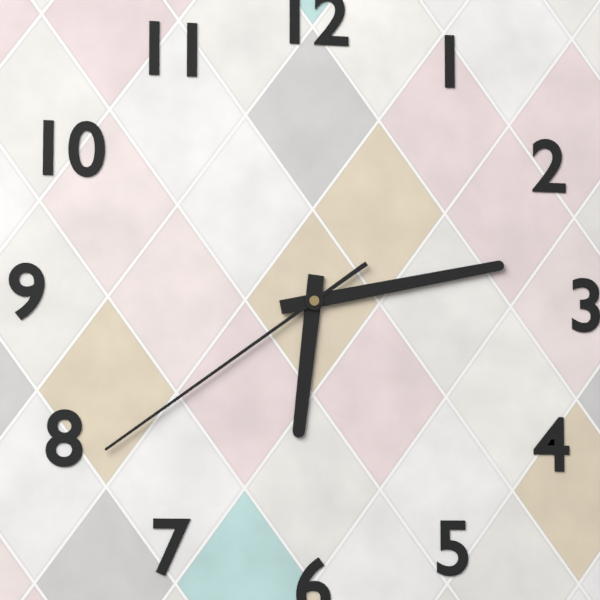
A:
6,13,39
